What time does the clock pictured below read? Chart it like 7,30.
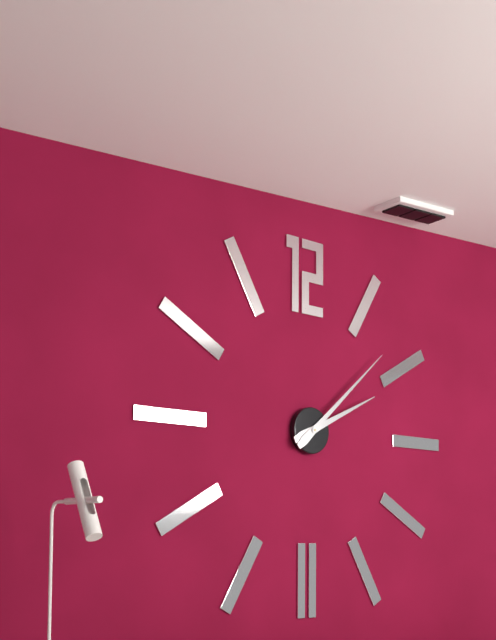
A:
2,08
